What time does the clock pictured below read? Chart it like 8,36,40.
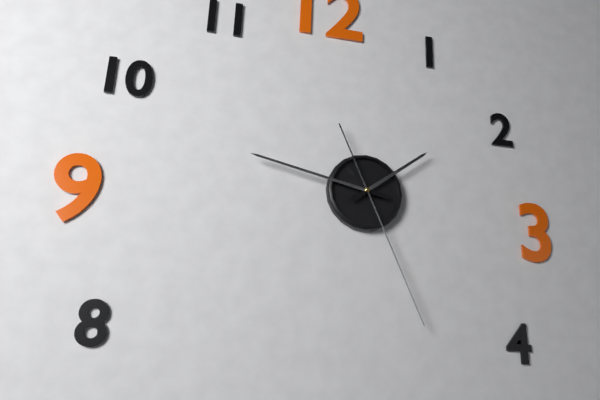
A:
1,47,26
